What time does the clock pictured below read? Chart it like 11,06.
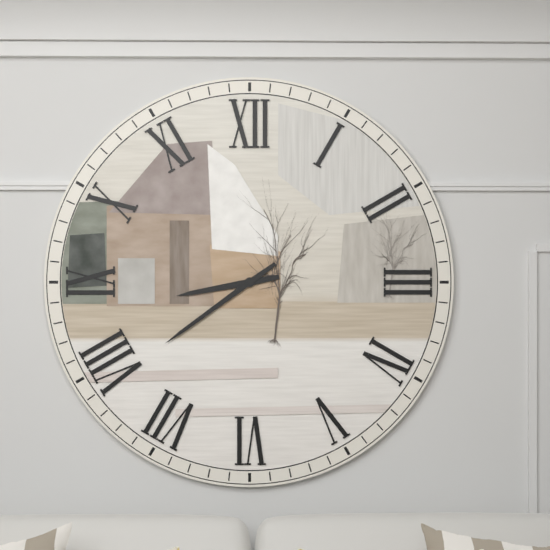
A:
8,39
